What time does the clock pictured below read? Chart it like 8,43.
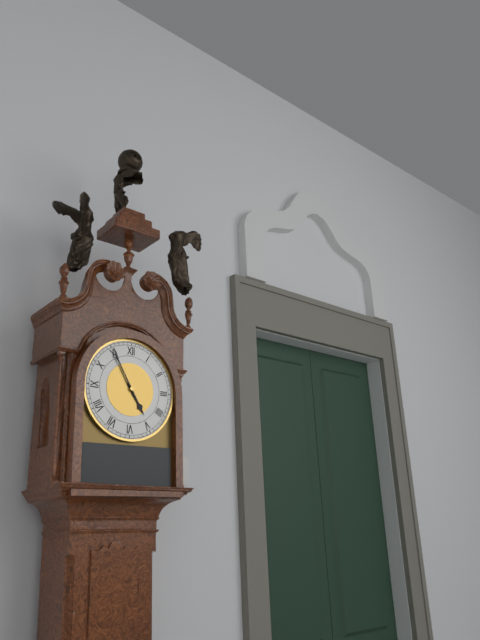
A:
4,55
